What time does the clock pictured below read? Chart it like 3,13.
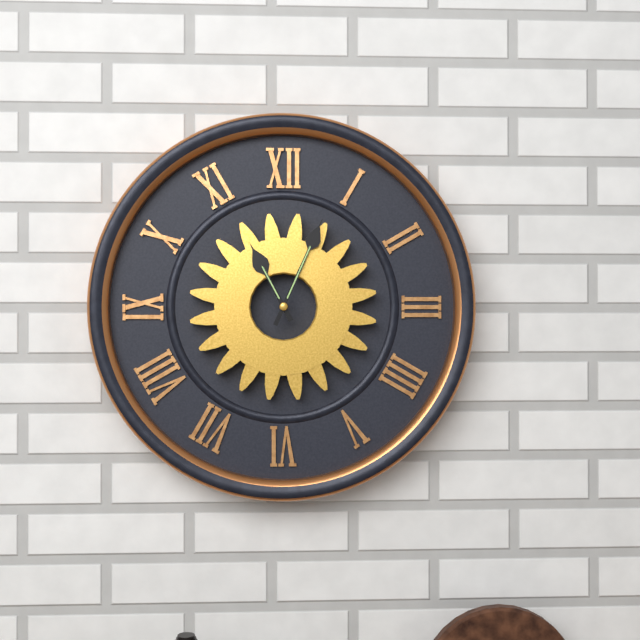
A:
11,04
